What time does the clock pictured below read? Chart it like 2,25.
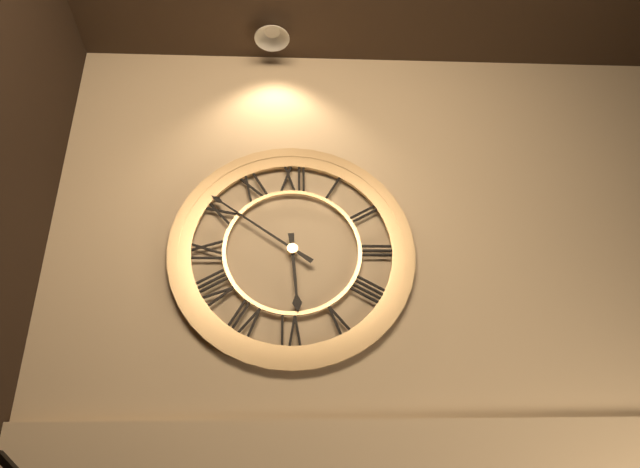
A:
5,51
